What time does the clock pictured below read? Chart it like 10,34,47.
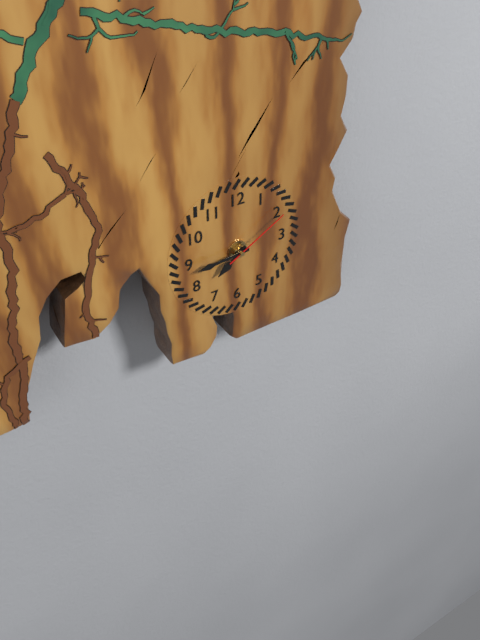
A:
7,44,10
